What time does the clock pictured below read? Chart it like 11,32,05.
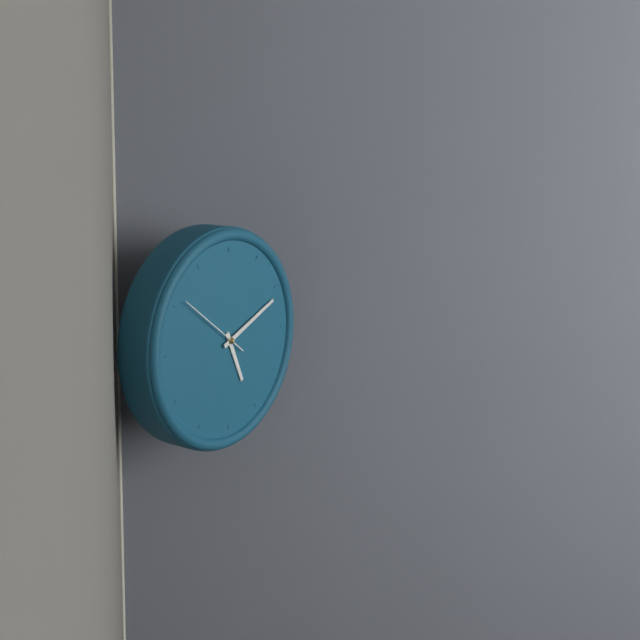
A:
5,11,51
